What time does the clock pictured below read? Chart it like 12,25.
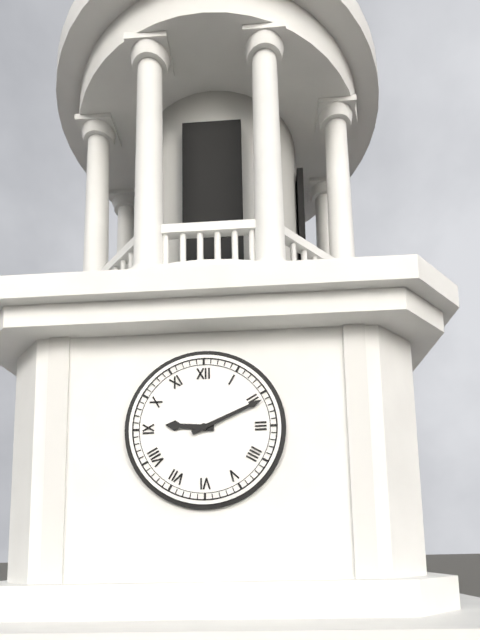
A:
9,11
